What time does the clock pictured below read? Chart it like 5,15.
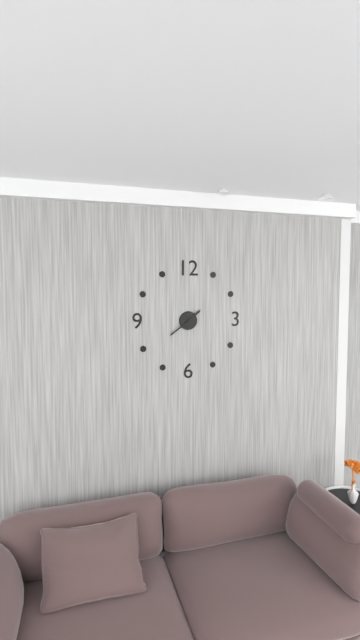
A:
1,39
